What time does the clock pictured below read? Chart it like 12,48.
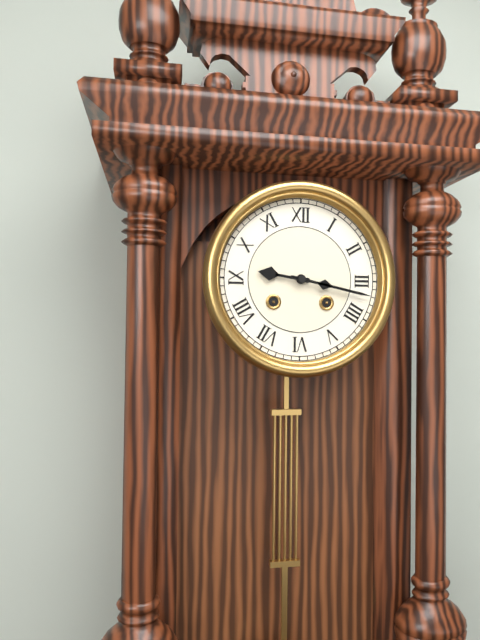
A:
9,17
